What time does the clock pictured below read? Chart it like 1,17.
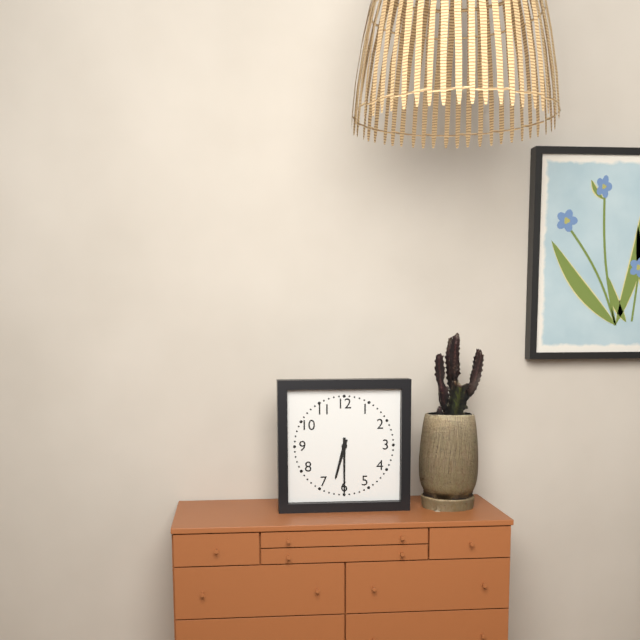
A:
6,30
